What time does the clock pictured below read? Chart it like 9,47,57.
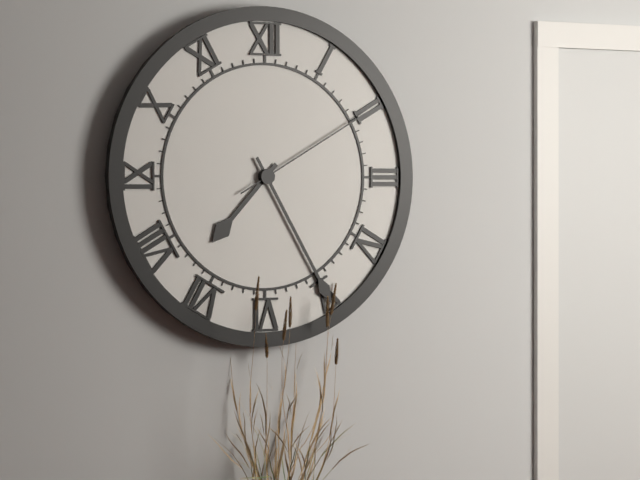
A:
7,25,10
